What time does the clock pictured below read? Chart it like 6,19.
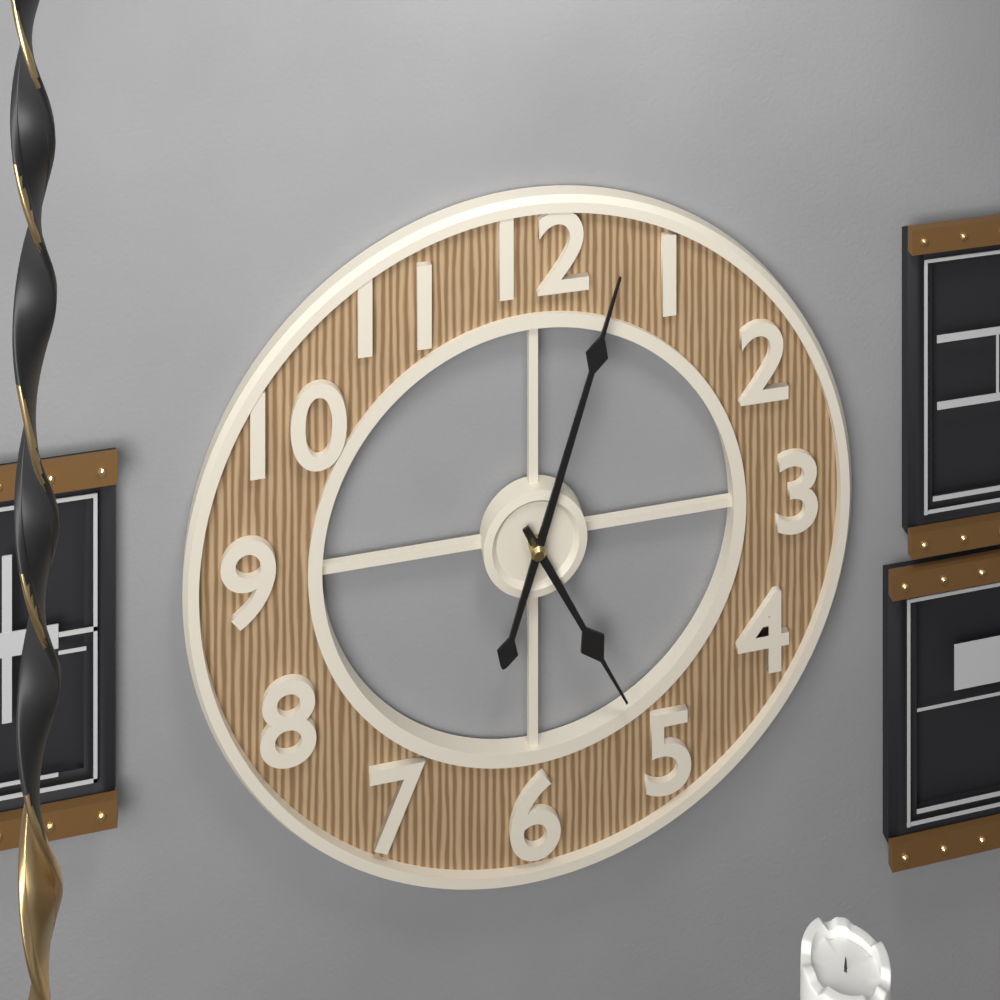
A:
5,03
